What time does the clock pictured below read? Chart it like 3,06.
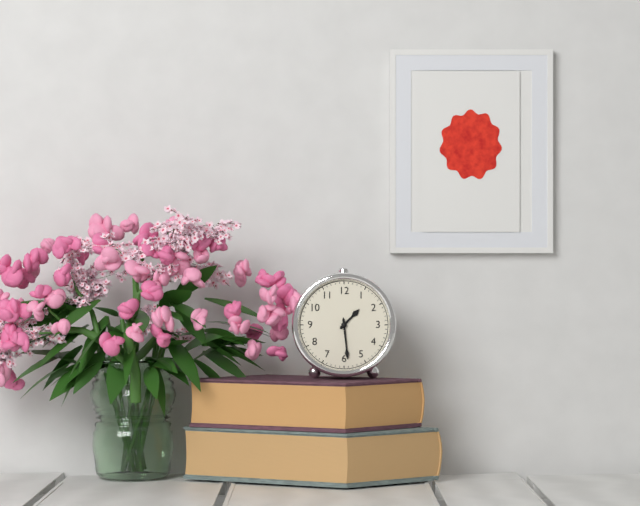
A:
1,29
